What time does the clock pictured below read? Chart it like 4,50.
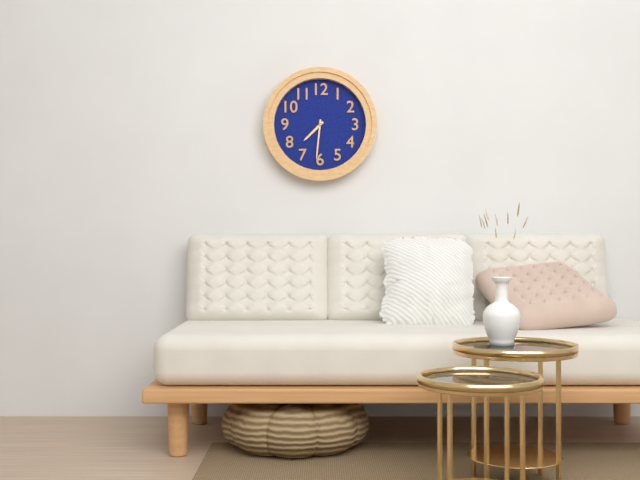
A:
7,31
